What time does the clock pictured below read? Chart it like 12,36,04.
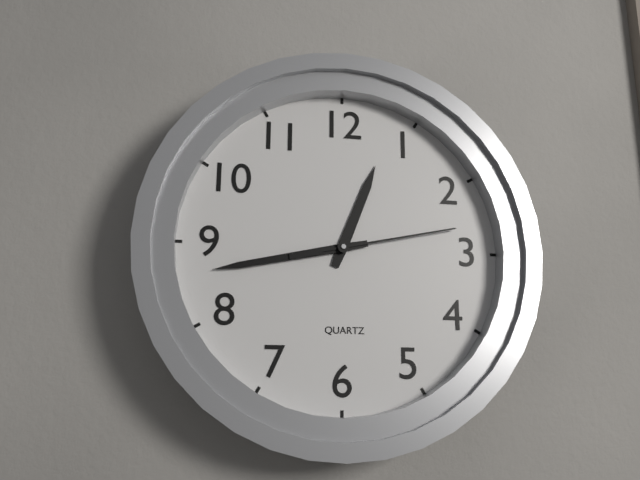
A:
12,43,13
